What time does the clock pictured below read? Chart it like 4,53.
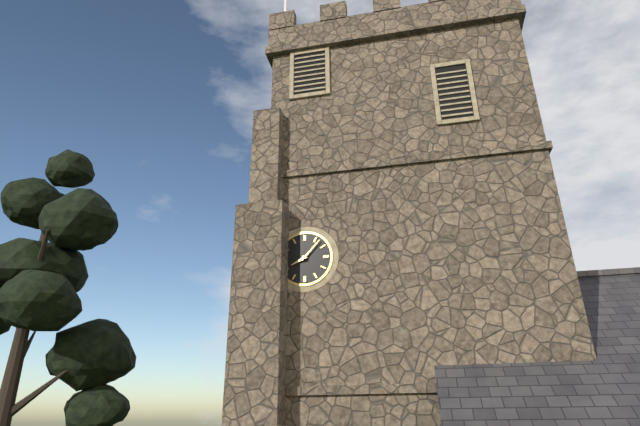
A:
8,07
